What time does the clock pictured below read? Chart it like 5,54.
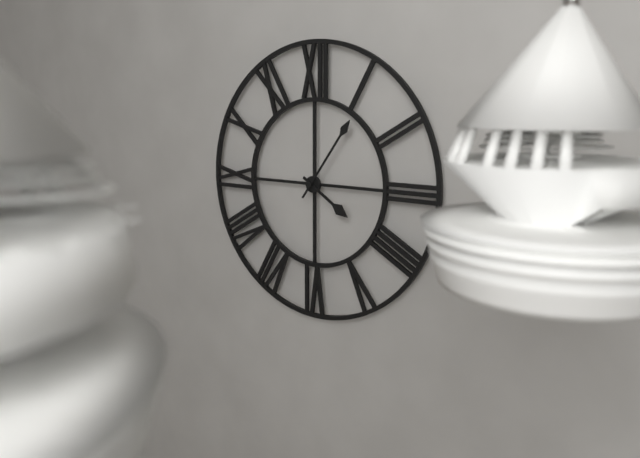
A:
4,06
